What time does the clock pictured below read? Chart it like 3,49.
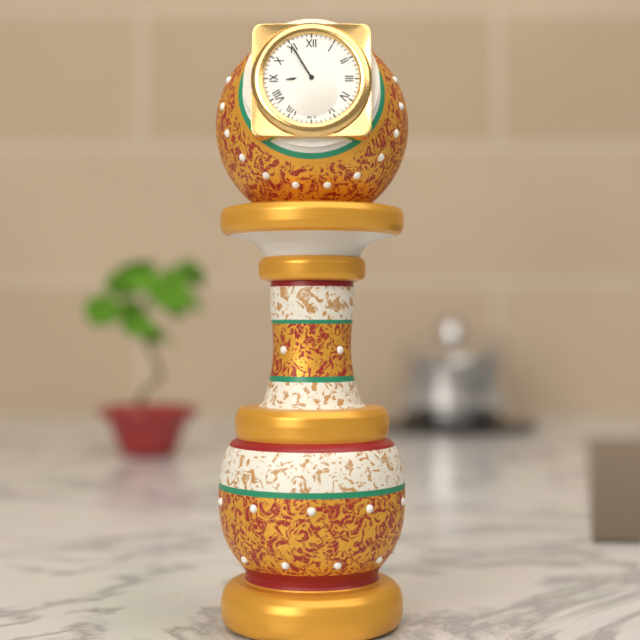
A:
8,55
